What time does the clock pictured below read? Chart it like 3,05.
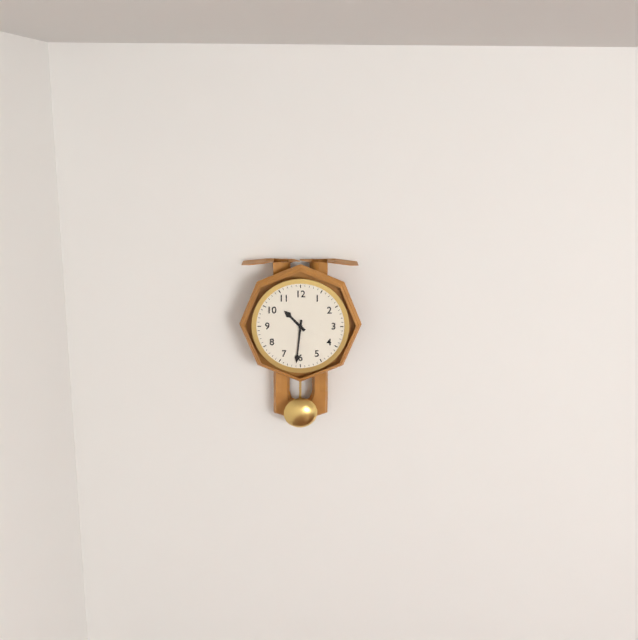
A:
10,31
